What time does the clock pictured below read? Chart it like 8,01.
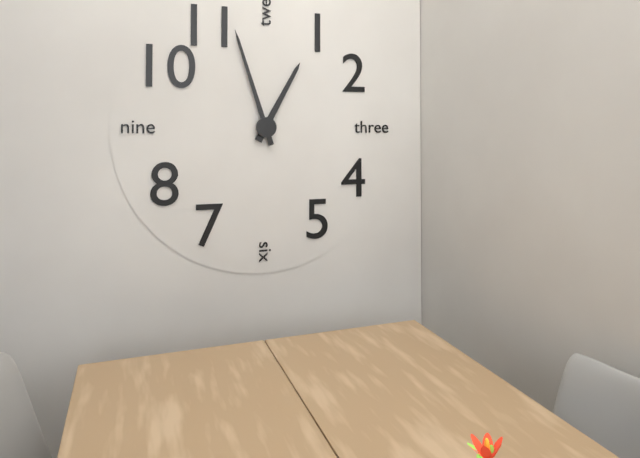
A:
12,57
